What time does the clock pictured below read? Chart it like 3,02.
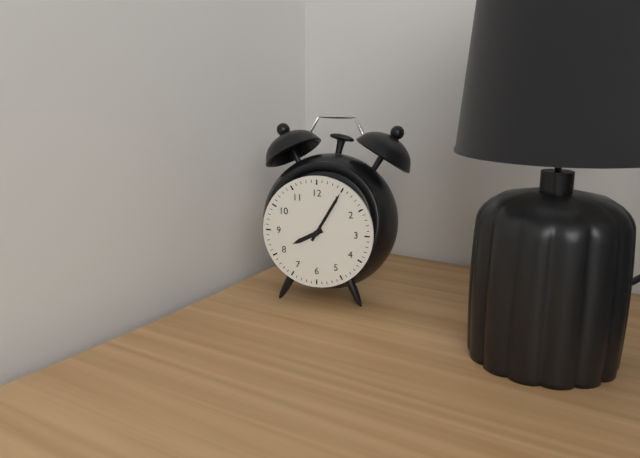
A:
8,05
